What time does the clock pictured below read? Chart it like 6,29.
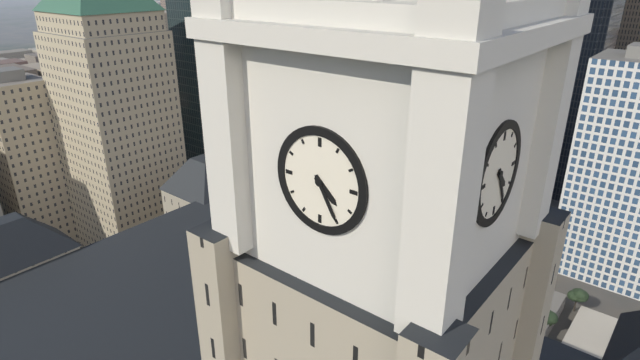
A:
4,25
